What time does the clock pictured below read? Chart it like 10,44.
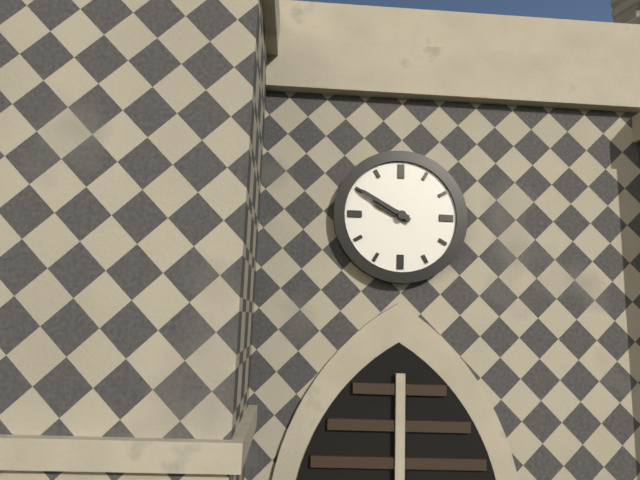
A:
9,50
